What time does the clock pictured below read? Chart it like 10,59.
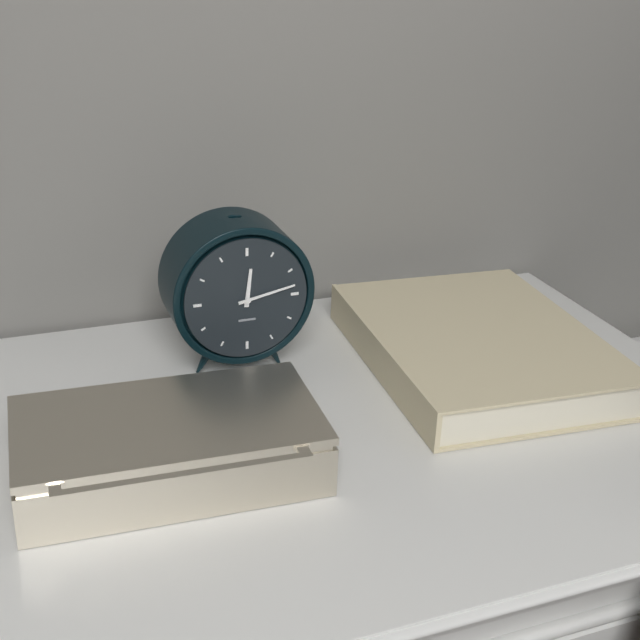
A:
12,13
